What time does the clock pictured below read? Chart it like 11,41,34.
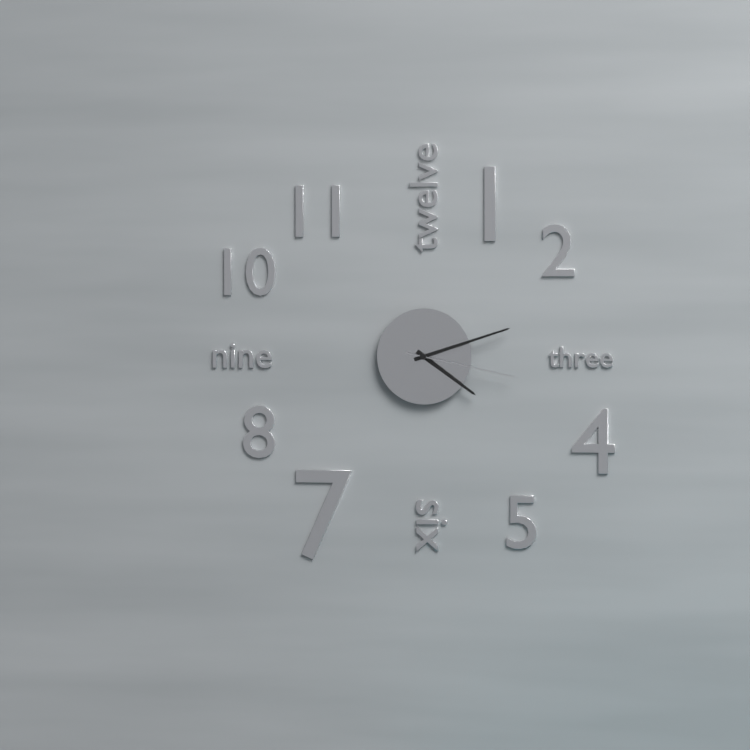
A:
4,12,17
